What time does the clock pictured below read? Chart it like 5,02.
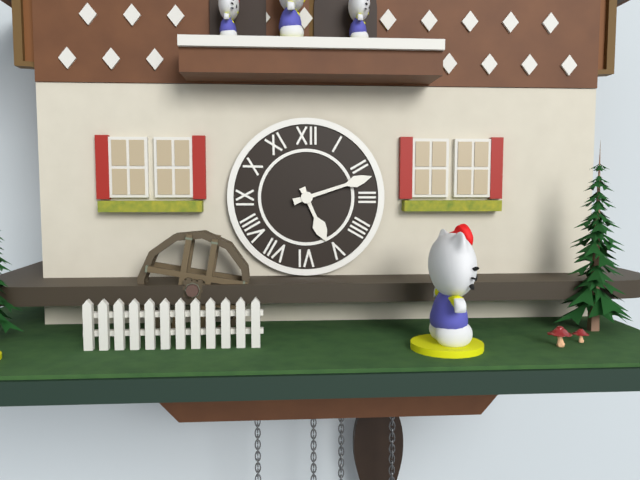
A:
5,12
